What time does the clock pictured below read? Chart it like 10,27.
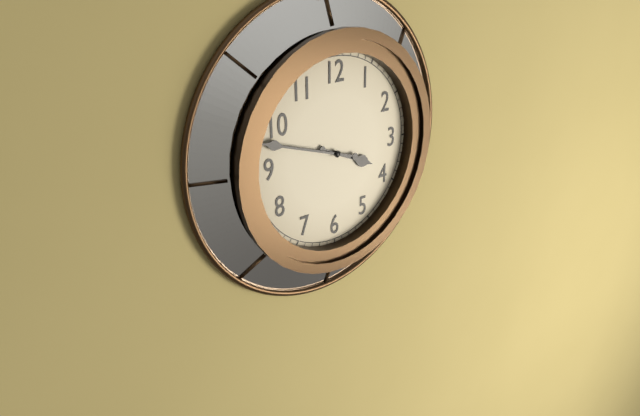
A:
3,48
